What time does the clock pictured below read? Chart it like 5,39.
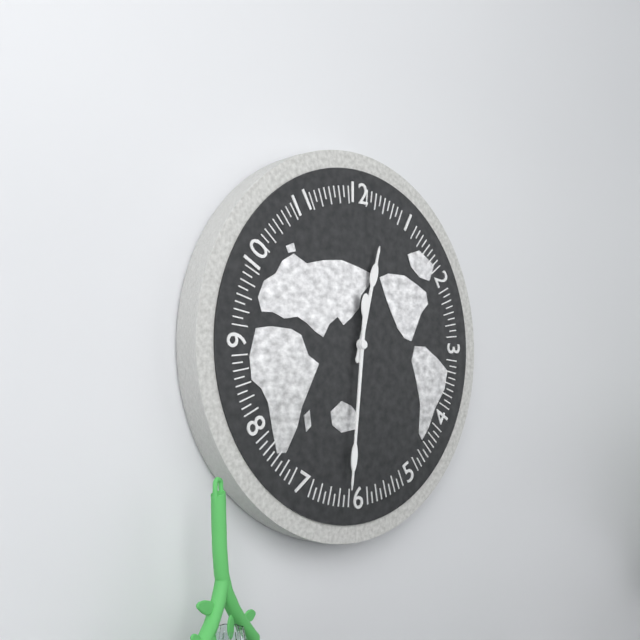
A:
12,31
